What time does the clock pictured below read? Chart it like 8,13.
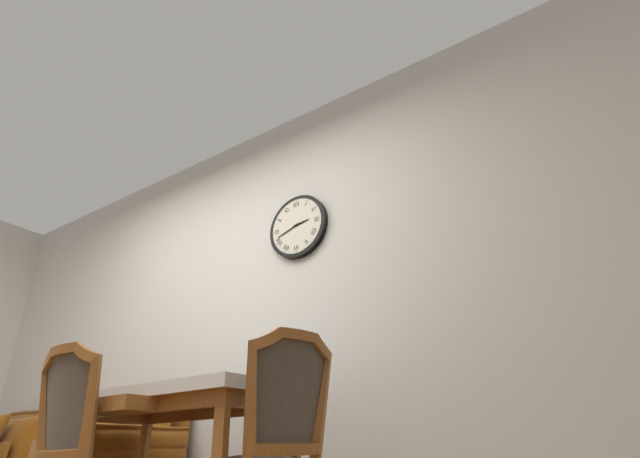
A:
2,42
